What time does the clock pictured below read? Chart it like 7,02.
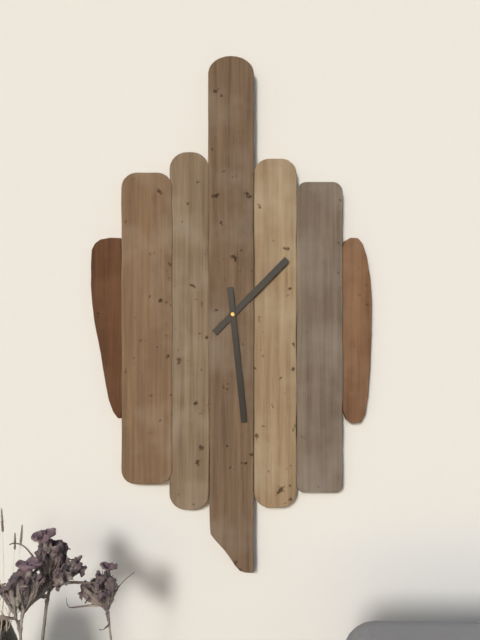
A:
1,29
